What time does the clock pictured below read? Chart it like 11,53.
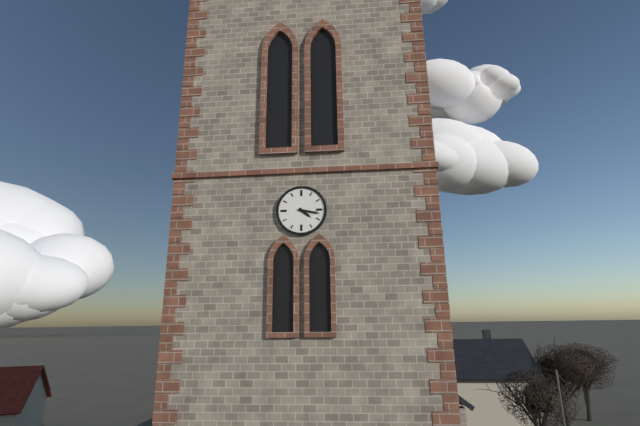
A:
4,17
